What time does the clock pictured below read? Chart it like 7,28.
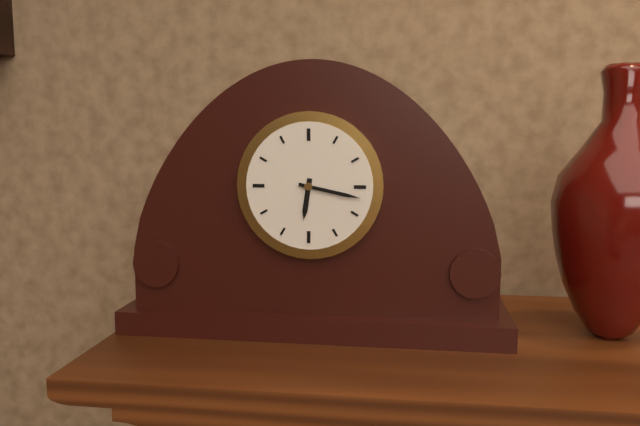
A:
6,17
